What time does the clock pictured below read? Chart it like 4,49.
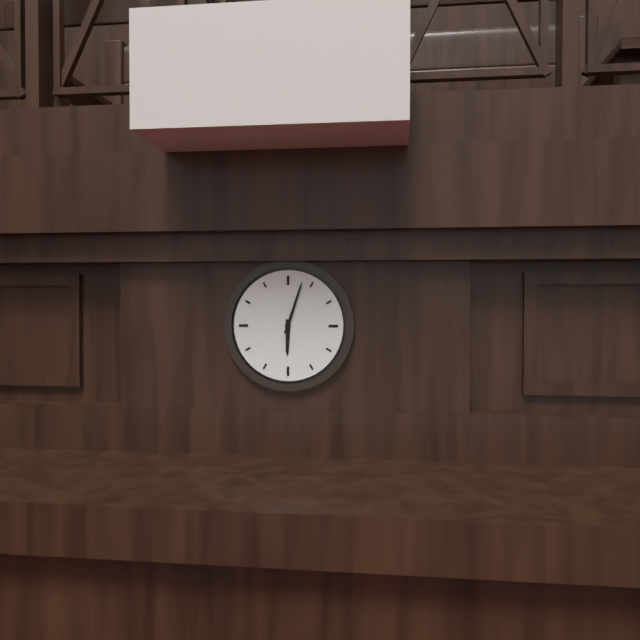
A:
6,03
